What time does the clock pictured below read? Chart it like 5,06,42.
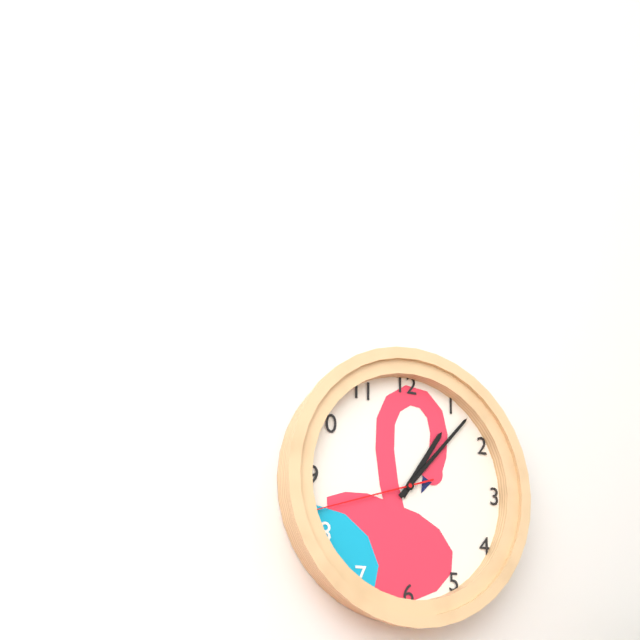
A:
1,07,42
